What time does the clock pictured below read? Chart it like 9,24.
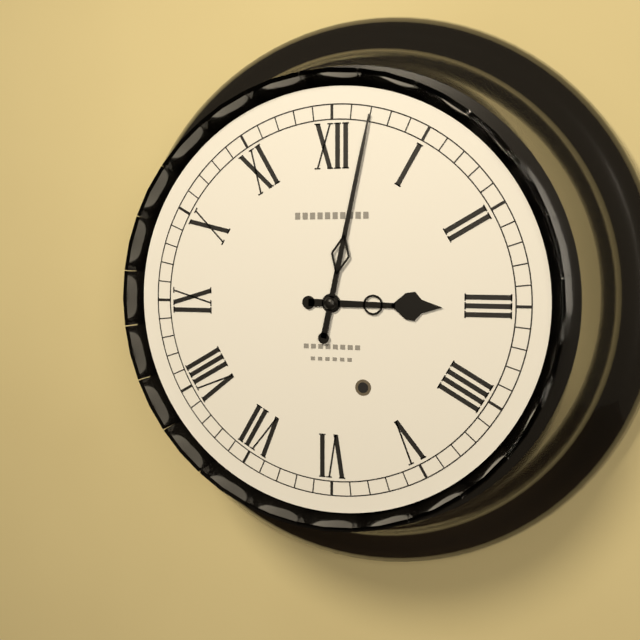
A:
3,02
